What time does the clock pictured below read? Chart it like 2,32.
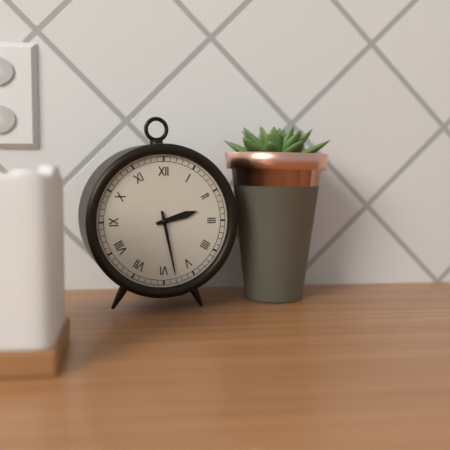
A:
2,28
